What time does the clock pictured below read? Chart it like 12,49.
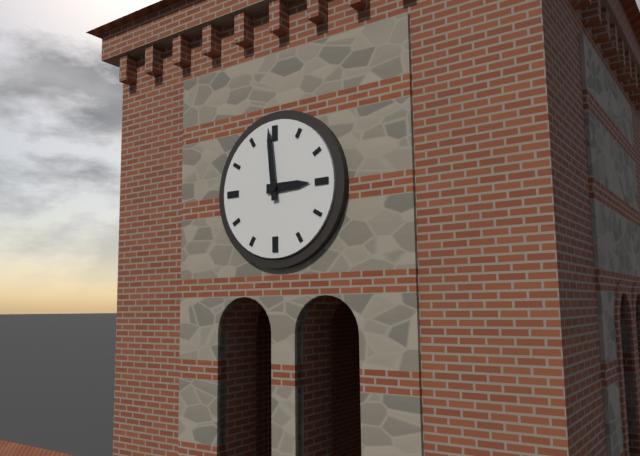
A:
2,59
